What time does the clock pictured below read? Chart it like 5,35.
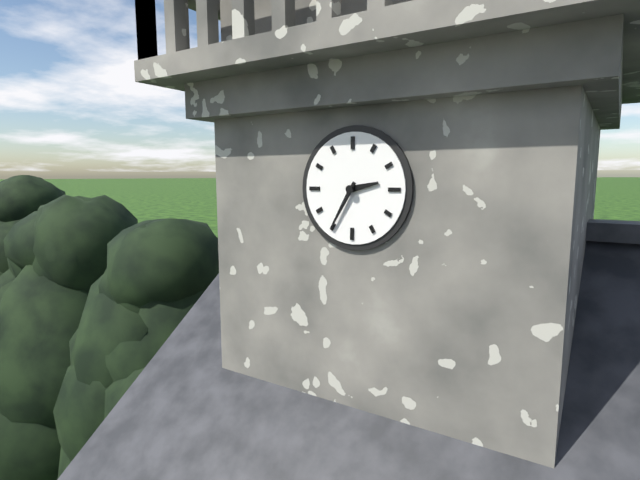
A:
2,35
